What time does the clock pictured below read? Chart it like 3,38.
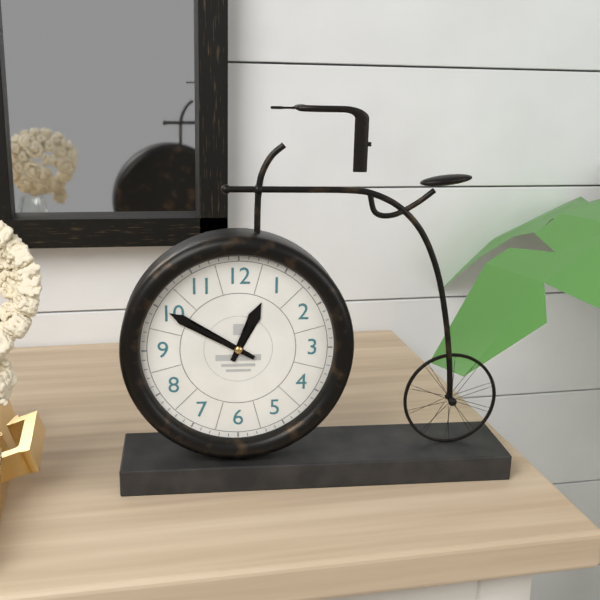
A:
12,50
